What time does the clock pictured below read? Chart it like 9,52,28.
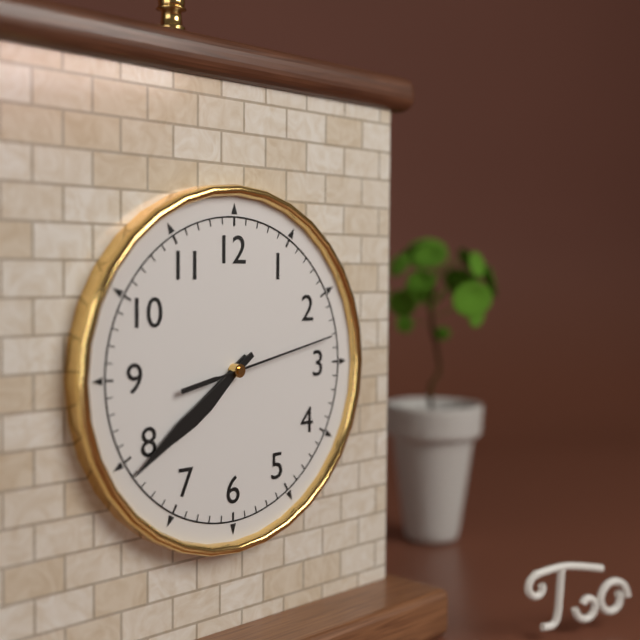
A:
7,39,13
